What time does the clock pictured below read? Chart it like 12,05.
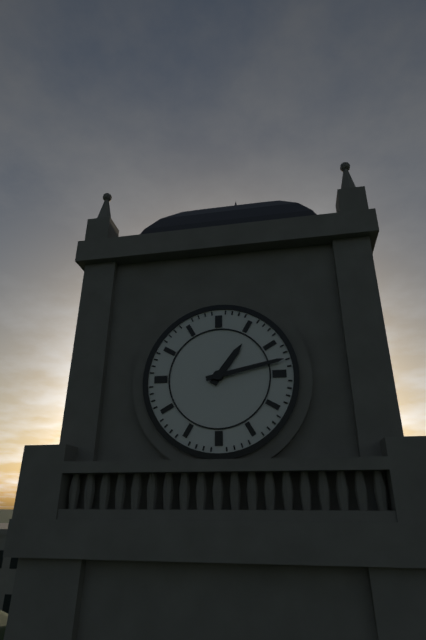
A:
1,13
